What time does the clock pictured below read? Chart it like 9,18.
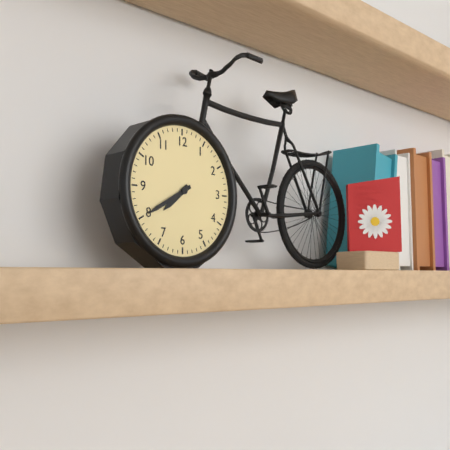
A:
7,40
